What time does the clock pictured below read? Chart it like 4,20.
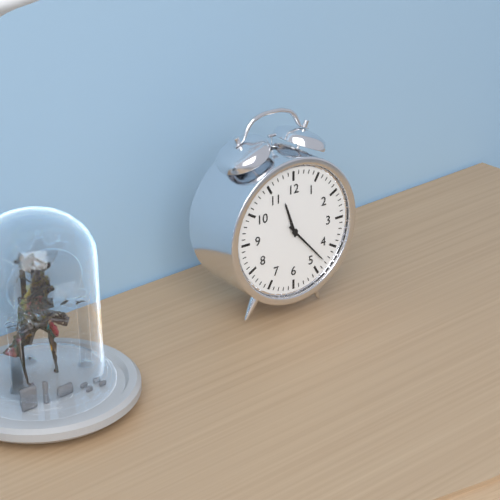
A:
11,23
